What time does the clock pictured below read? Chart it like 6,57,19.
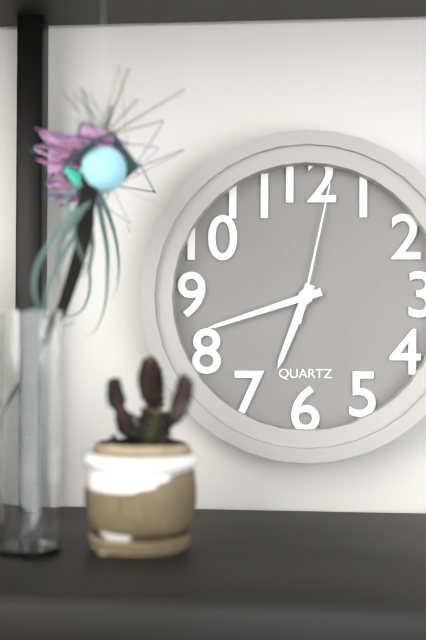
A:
6,42,02
